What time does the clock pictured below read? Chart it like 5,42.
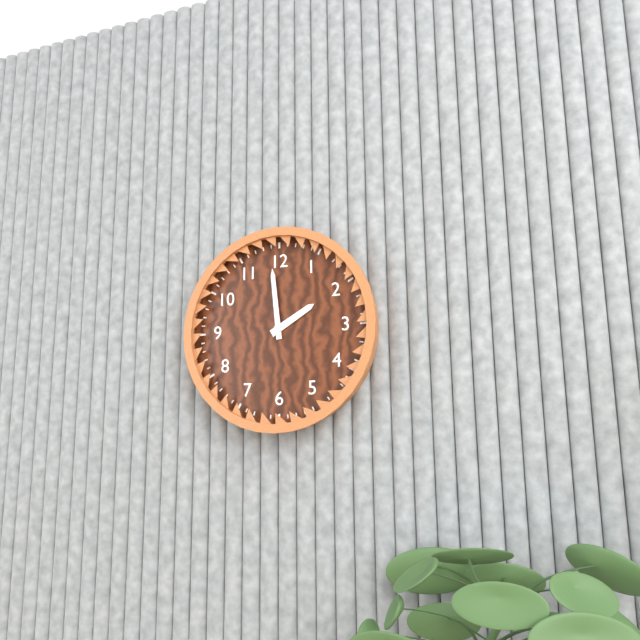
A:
1,59
